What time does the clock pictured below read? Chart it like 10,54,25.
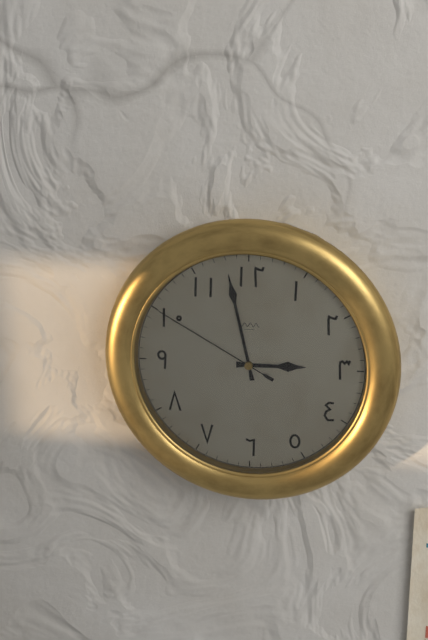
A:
2,58,50
